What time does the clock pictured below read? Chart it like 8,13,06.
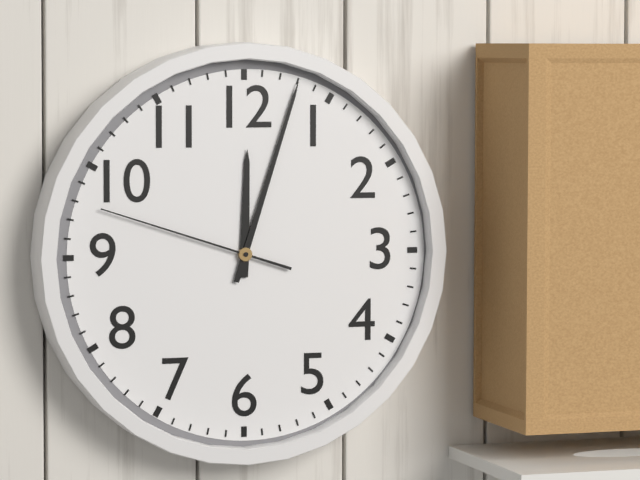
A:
12,03,48
